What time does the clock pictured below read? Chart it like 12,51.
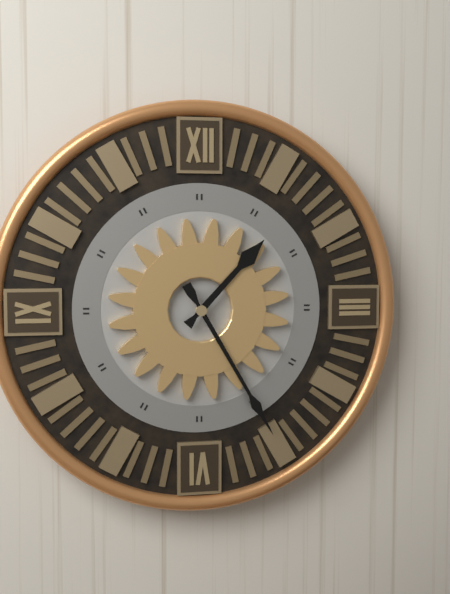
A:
1,25
